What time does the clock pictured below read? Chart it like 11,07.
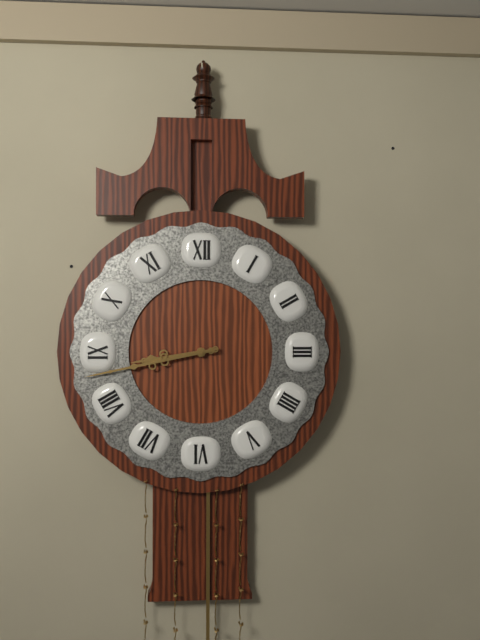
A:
8,43
